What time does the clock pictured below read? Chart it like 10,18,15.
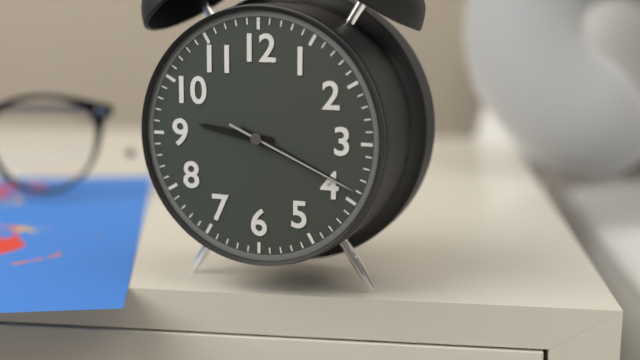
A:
9,19,19
